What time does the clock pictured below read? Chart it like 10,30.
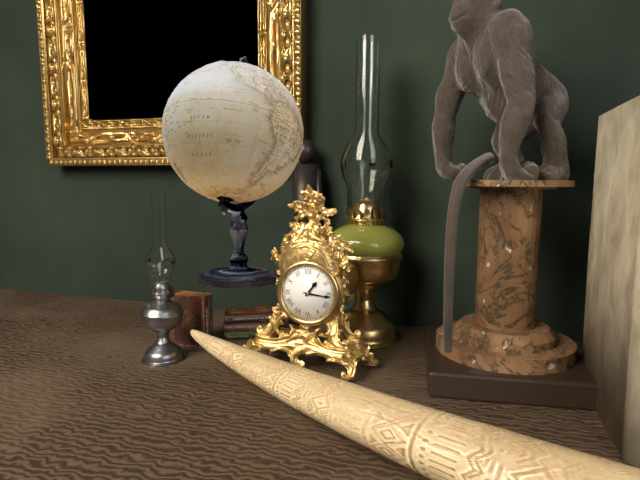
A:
1,16
